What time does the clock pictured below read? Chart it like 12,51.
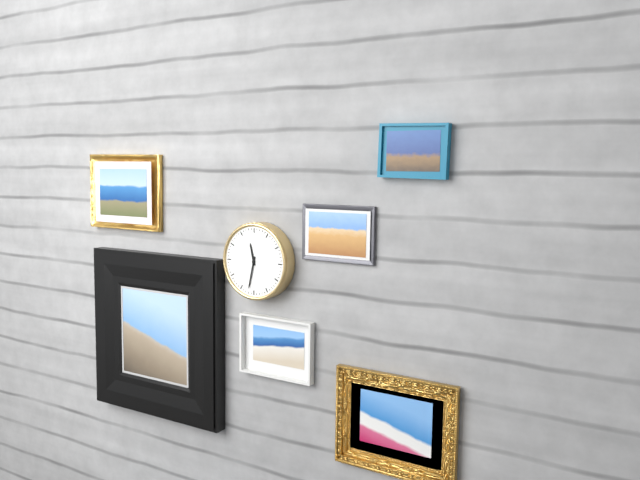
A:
11,32
